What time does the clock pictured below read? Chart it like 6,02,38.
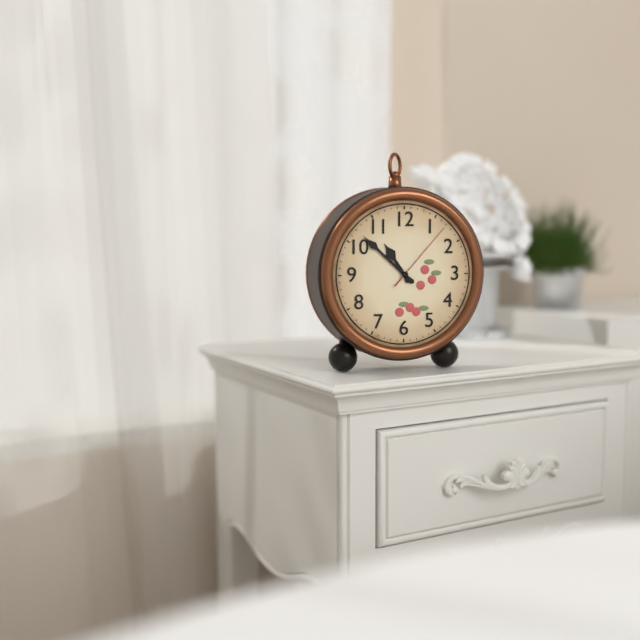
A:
10,52,07
